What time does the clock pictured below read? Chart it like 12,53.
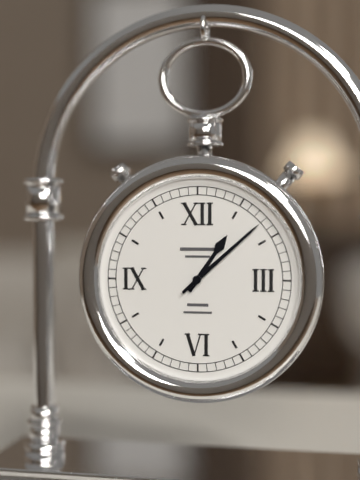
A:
1,08
